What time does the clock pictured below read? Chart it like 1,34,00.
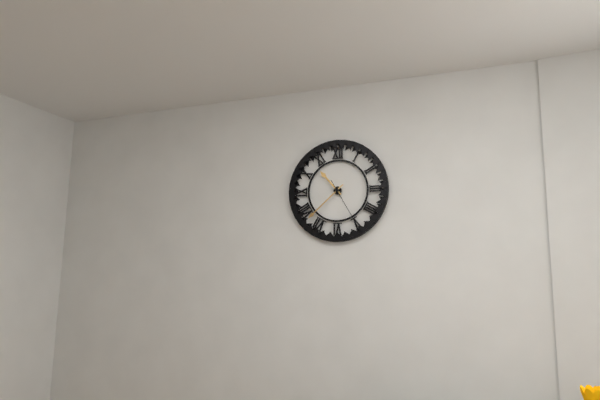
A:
10,38,25
